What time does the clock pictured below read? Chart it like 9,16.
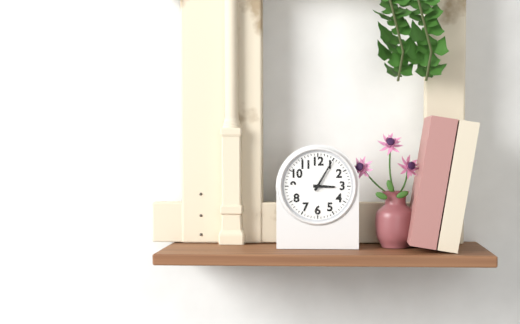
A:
3,05
